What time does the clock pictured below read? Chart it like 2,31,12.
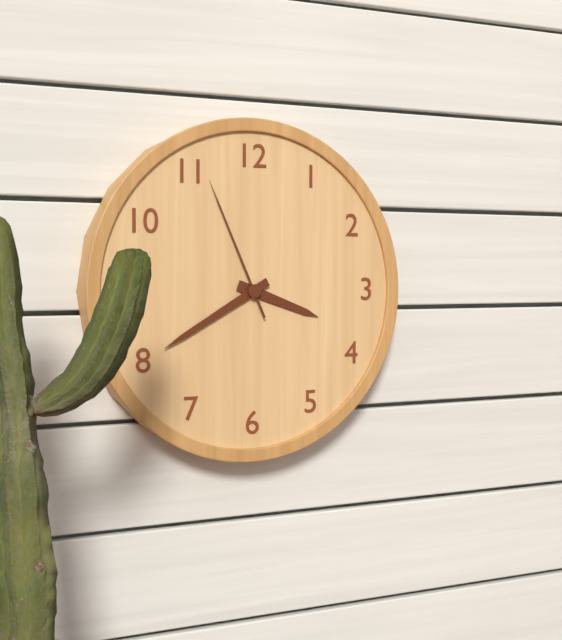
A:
3,40,56
